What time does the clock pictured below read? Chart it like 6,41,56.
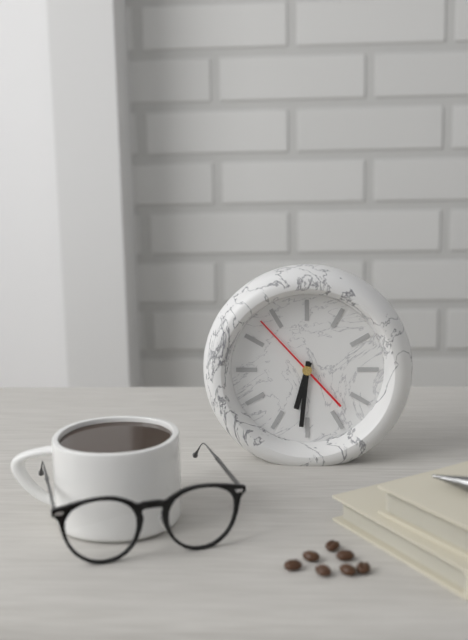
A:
6,31,53
